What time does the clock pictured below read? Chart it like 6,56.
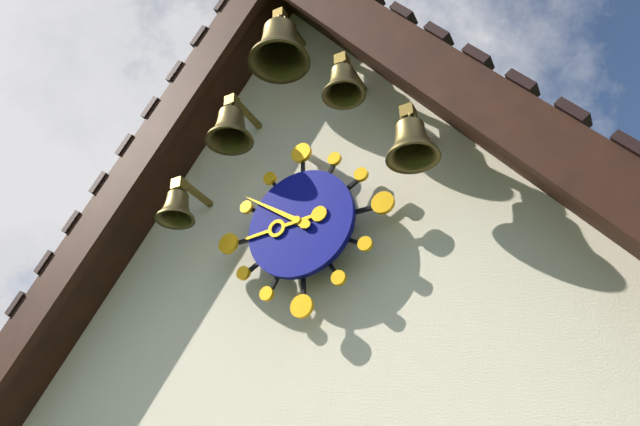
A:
8,51
